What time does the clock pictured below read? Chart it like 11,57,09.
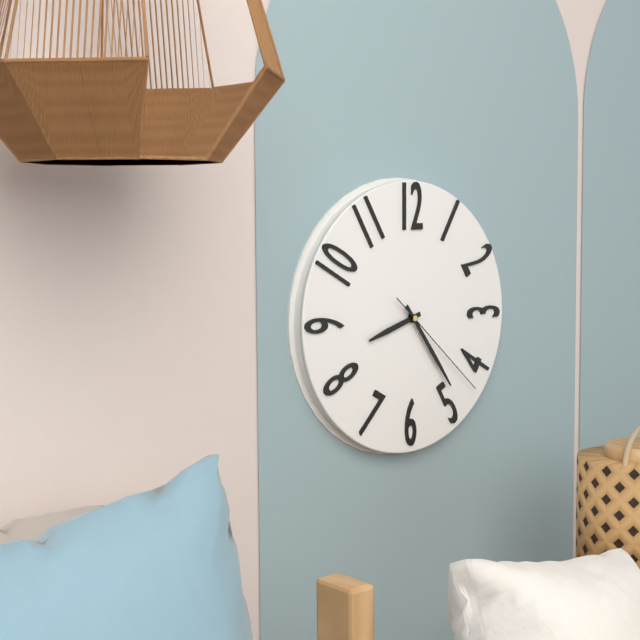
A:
8,24,22
